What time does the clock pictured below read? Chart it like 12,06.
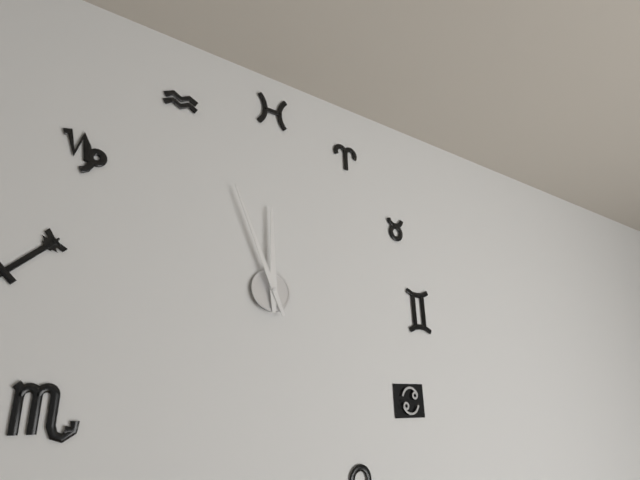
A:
11,56
